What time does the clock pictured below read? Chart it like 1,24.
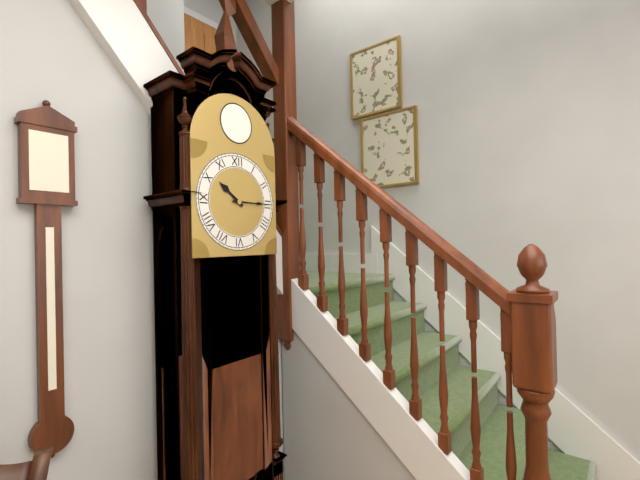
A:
10,15
